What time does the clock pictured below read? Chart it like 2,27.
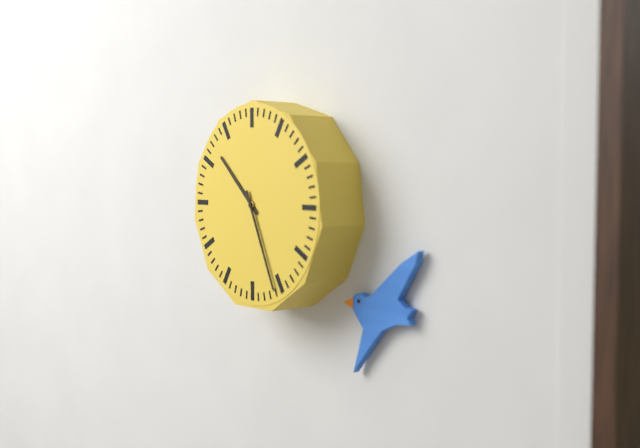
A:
10,26
